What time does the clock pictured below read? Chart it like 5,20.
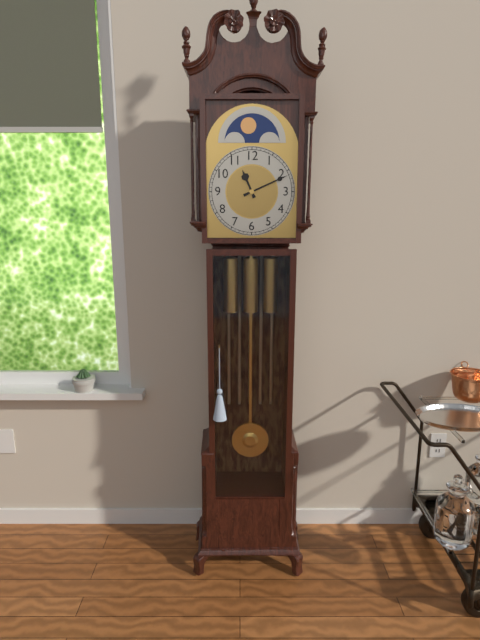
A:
11,11
